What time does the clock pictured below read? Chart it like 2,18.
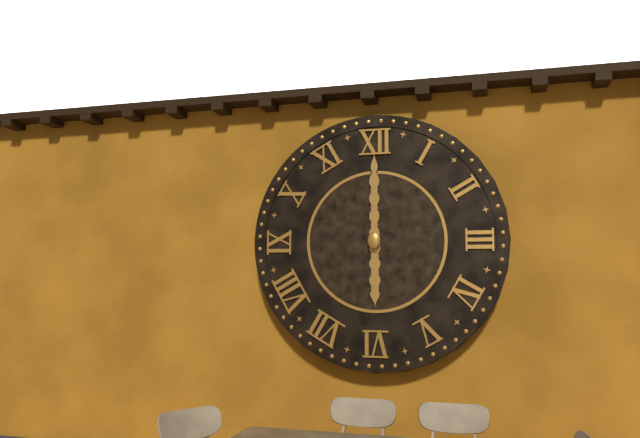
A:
6,00
